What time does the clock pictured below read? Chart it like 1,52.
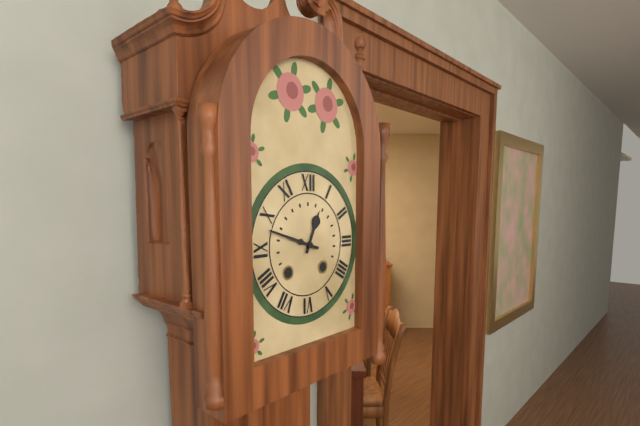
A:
12,48
